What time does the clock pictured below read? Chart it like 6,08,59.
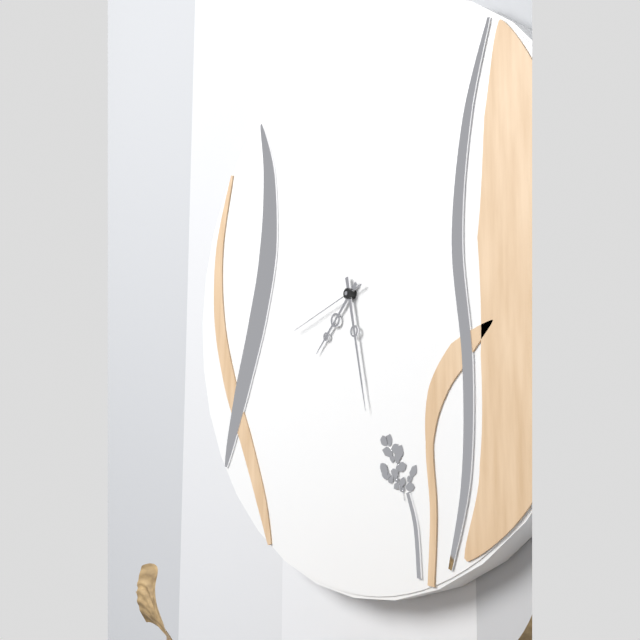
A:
7,28,42
